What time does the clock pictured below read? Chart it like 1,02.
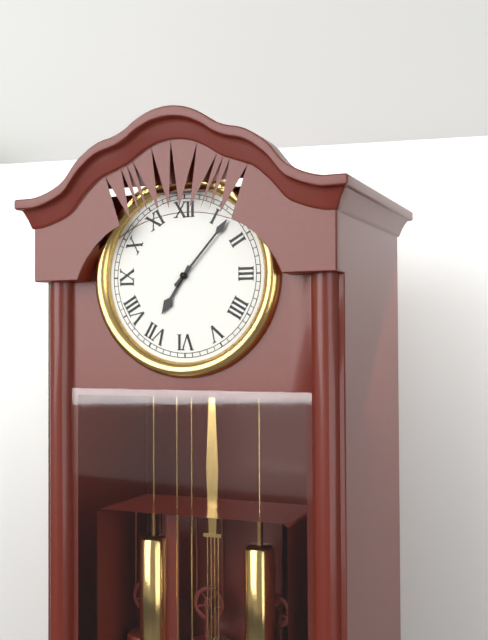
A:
7,07
